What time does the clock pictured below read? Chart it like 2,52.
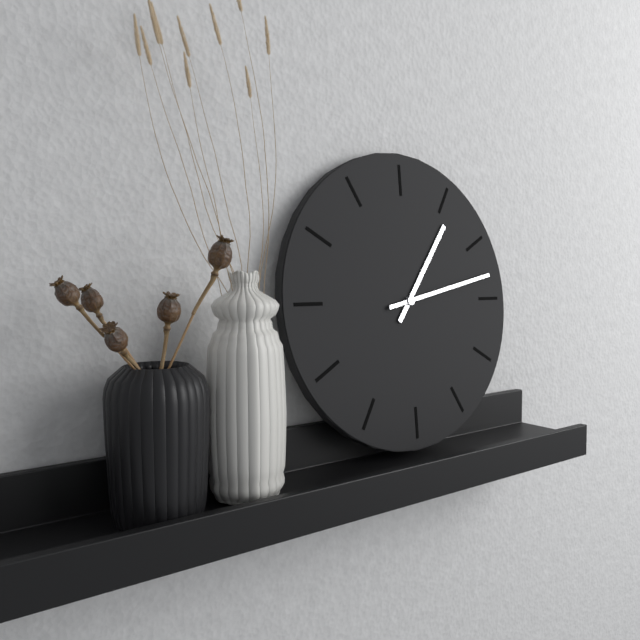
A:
1,13
